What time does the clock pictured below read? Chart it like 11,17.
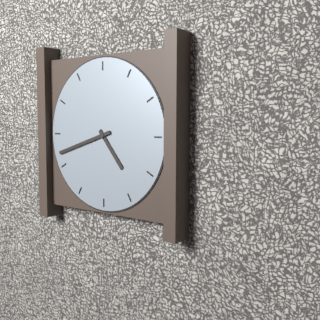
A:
4,42
